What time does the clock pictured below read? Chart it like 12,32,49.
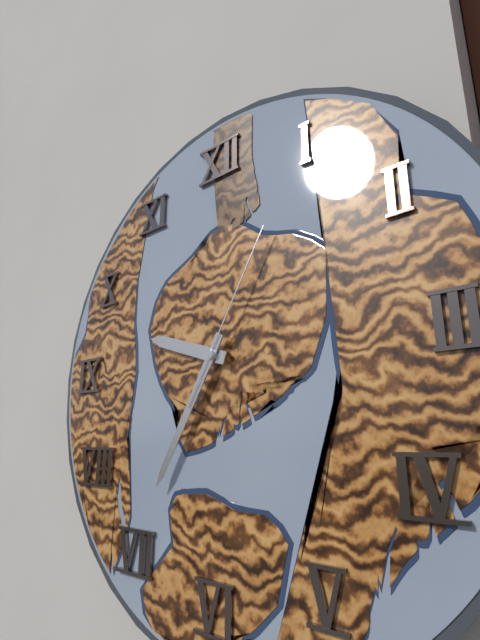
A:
9,35,05
